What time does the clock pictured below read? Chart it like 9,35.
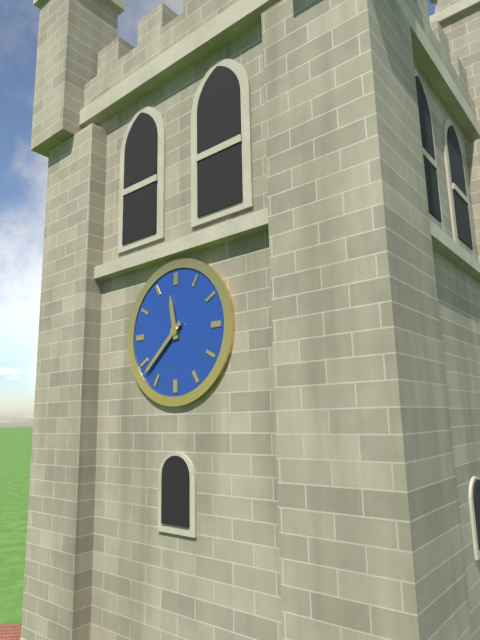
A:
11,38
